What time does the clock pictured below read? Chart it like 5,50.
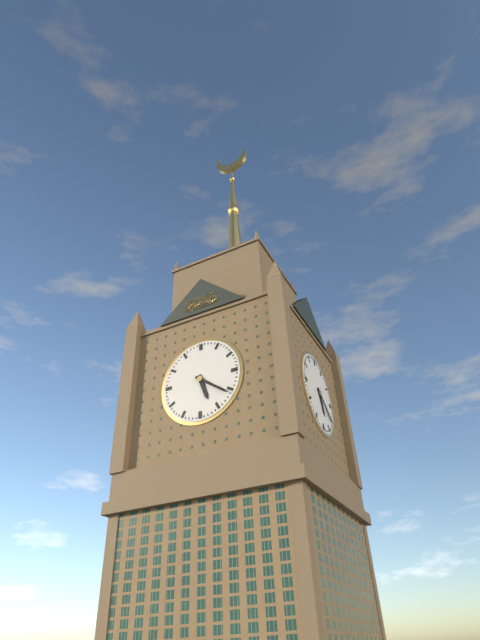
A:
5,21
